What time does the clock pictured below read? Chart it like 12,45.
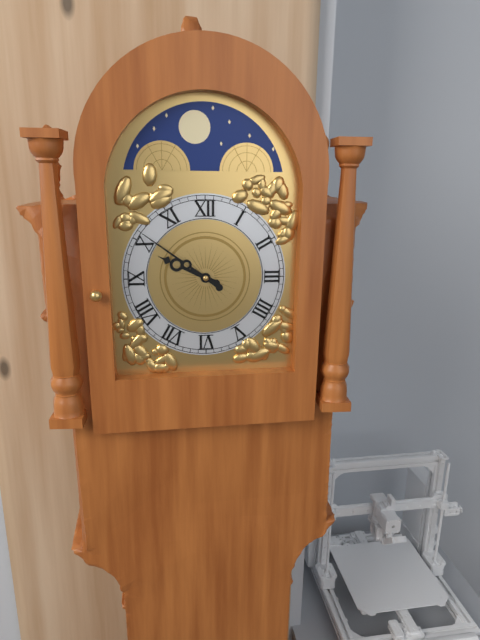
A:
9,51
